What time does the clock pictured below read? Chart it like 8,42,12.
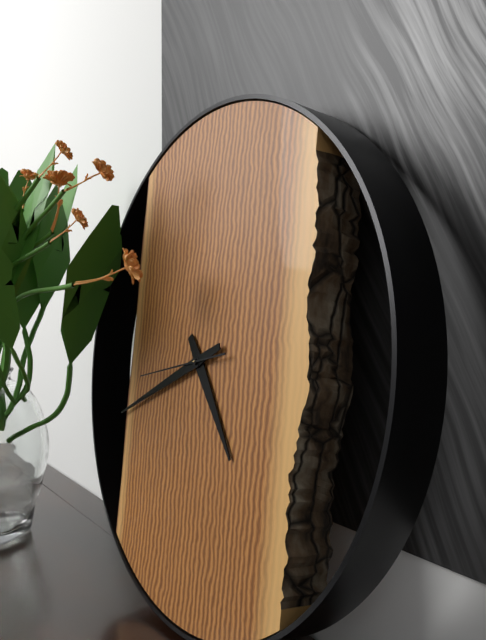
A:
4,41,43
